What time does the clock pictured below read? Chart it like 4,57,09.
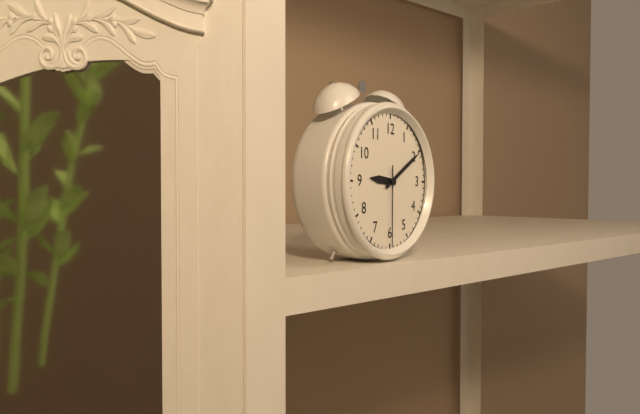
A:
9,10,30
